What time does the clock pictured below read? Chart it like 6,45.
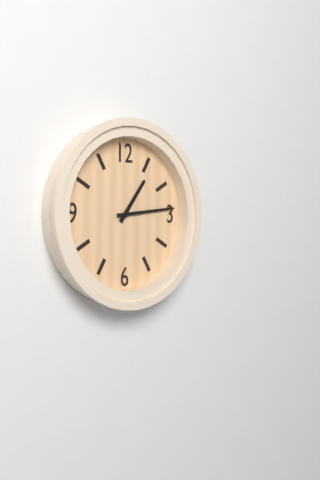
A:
1,14
